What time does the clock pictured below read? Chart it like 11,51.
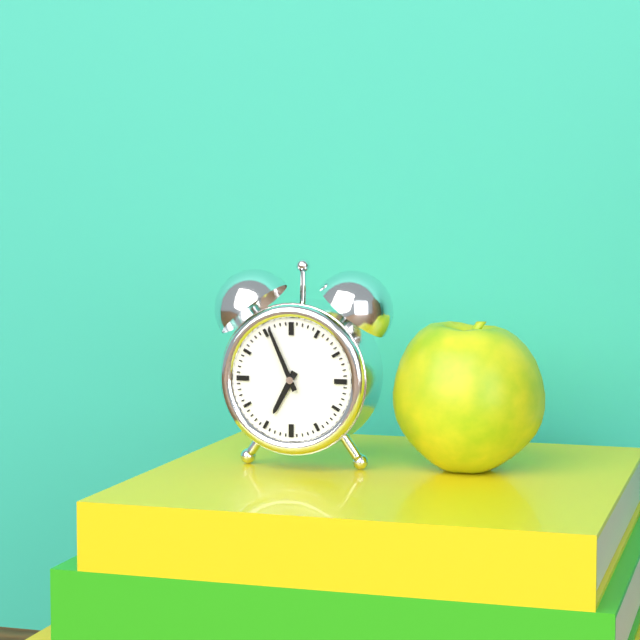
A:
6,56
